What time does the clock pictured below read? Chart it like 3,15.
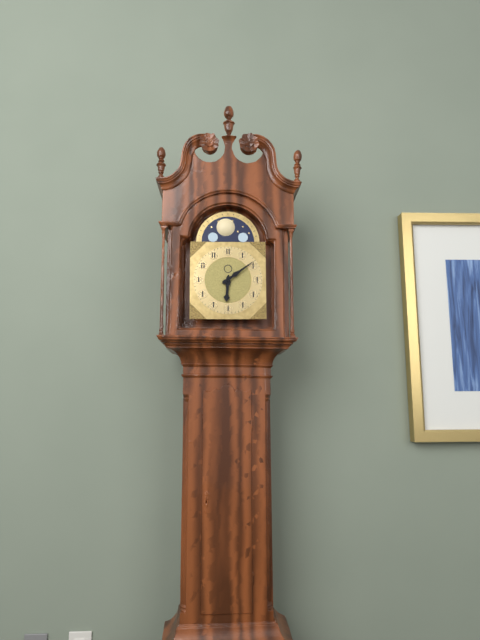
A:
6,09
